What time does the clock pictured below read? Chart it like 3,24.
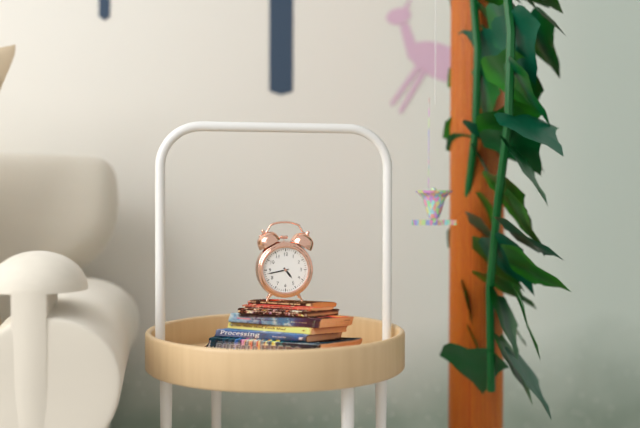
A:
4,43
